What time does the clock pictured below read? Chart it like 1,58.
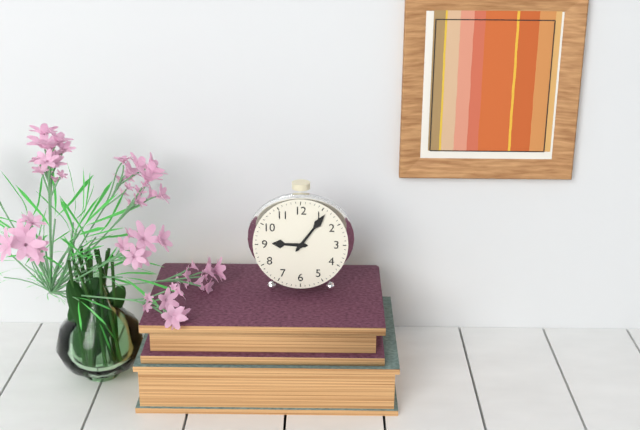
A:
9,06
